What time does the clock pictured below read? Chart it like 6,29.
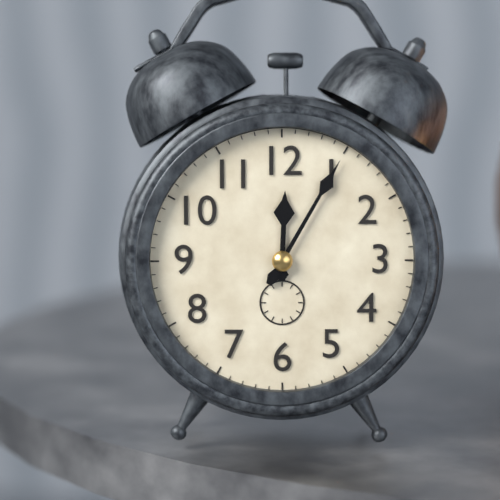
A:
12,05
